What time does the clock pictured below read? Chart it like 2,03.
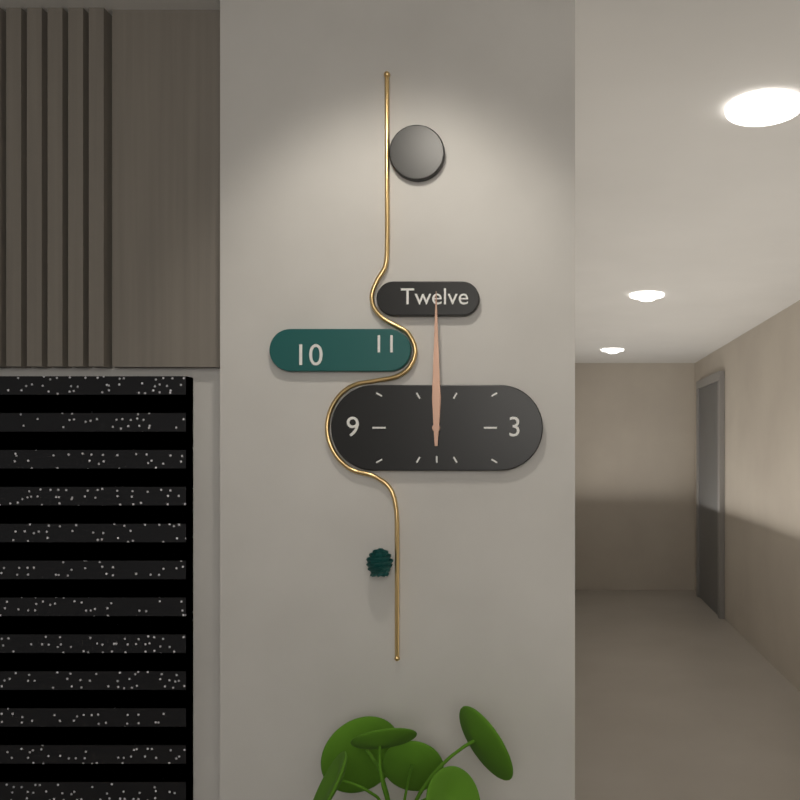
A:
12,00
